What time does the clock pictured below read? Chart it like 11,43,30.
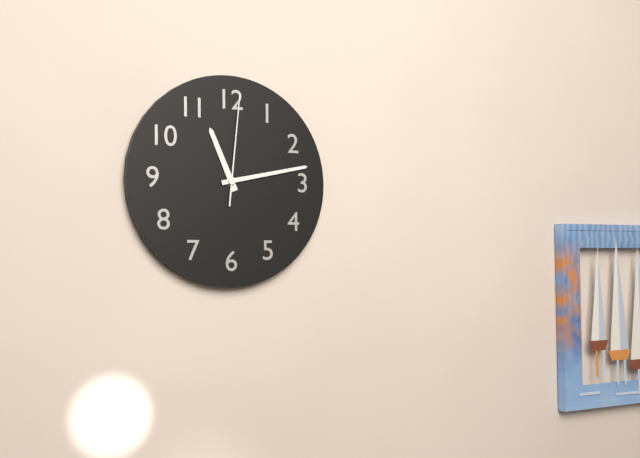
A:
11,13,01
